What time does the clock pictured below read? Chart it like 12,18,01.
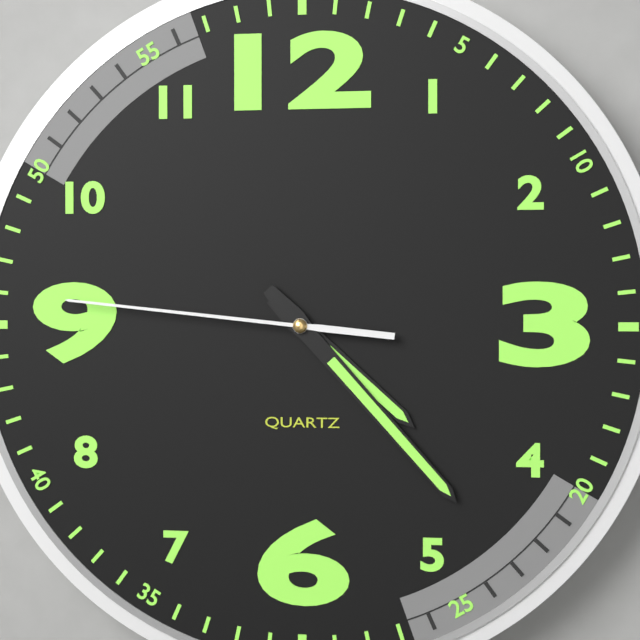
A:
4,23,46
